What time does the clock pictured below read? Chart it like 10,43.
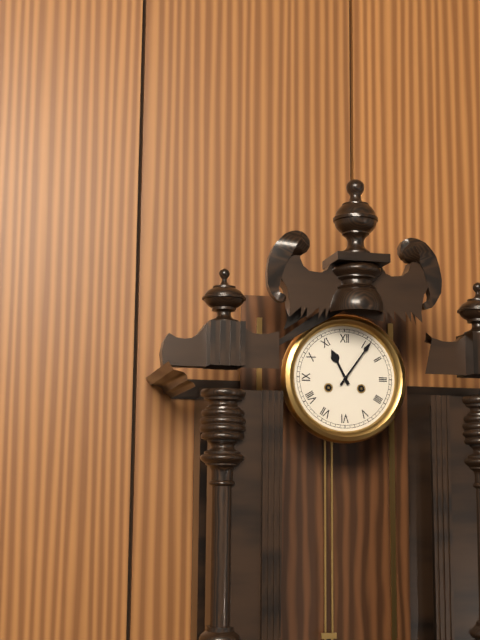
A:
11,06
